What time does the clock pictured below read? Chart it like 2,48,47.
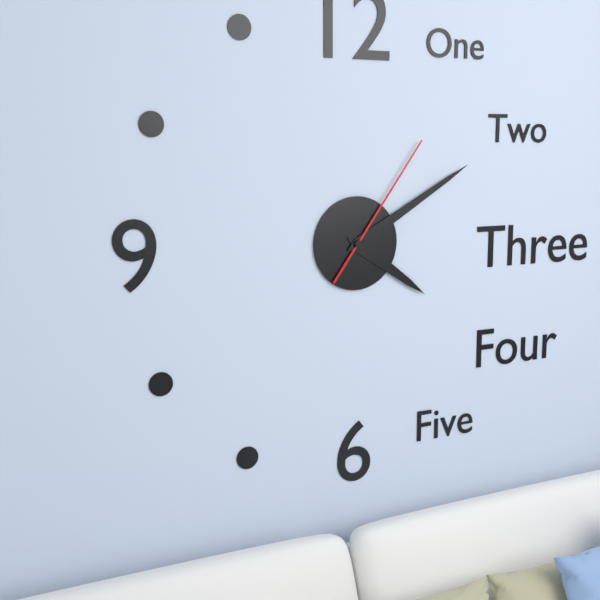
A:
4,10,06
